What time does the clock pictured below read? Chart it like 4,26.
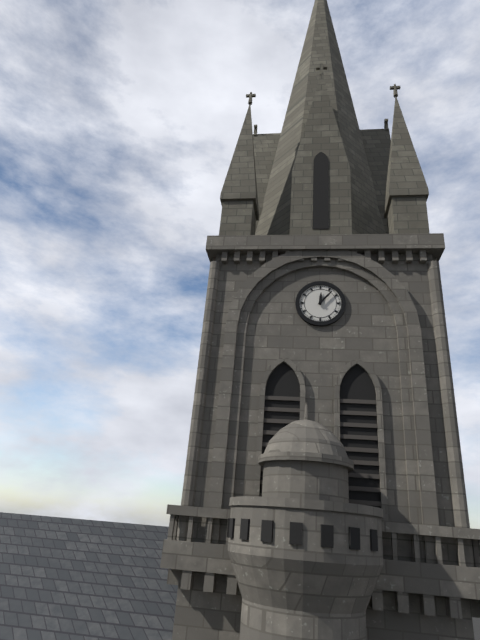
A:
12,07
